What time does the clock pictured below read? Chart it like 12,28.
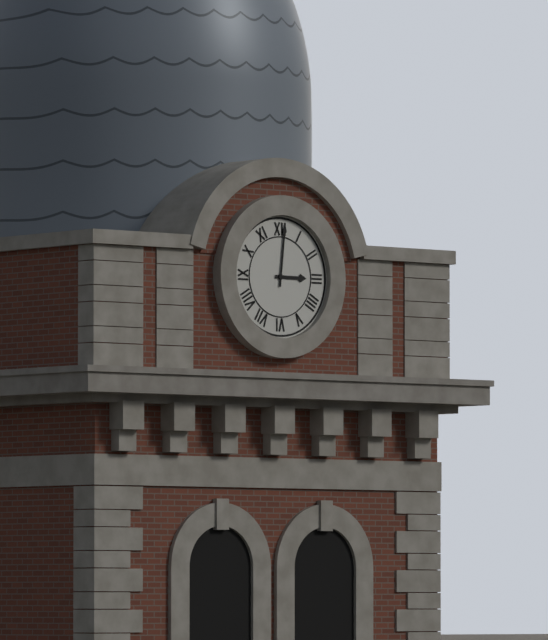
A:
3,01
